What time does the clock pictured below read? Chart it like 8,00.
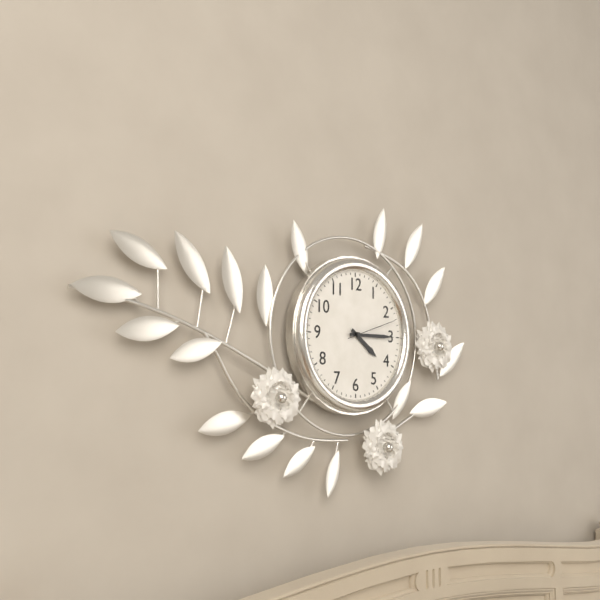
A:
4,15
